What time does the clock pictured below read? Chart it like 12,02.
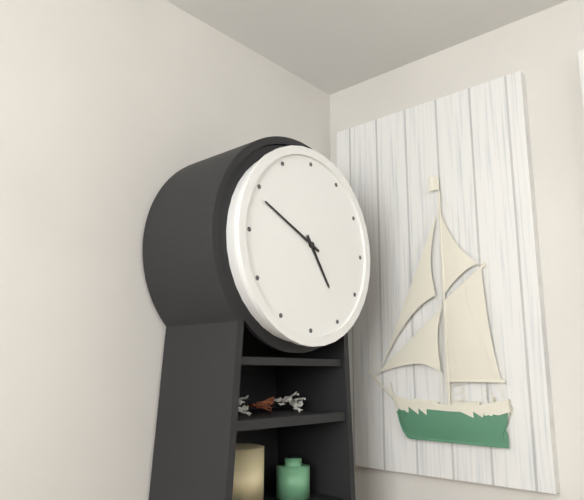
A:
4,49
